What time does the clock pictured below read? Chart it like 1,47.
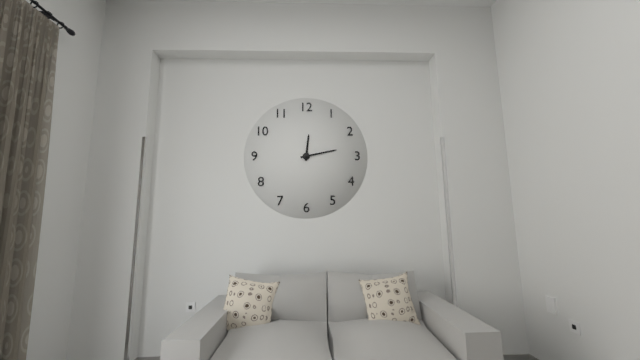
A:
12,13
